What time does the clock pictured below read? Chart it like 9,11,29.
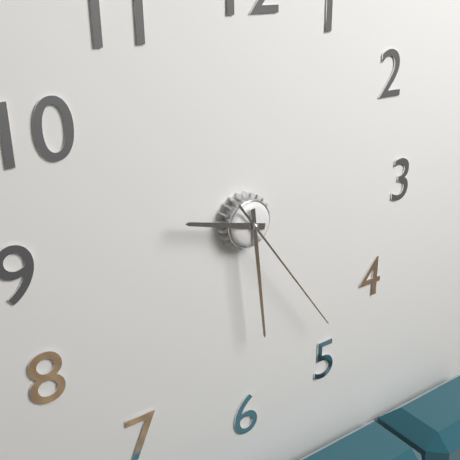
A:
9,29,24
